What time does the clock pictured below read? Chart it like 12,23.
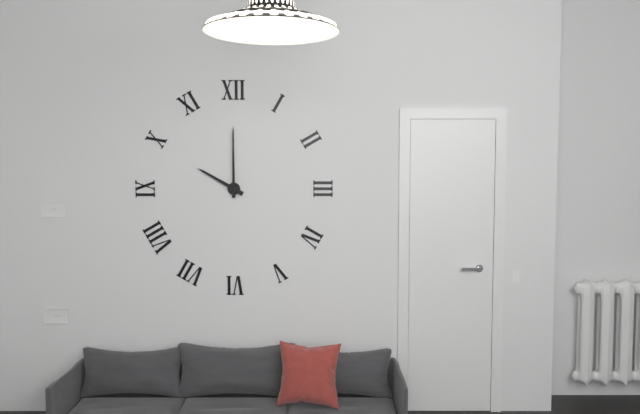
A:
10,00
